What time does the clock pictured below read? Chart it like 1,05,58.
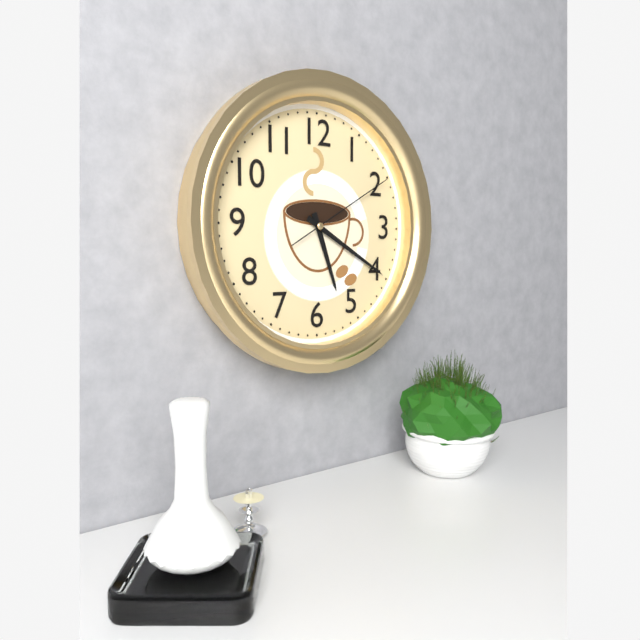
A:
5,20,10
